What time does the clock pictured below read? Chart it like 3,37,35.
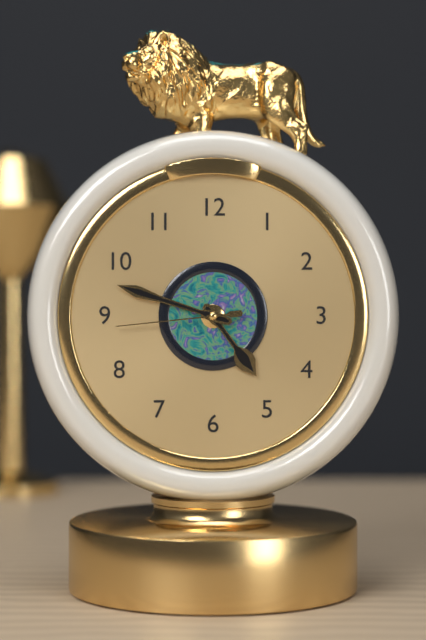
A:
4,48,44
